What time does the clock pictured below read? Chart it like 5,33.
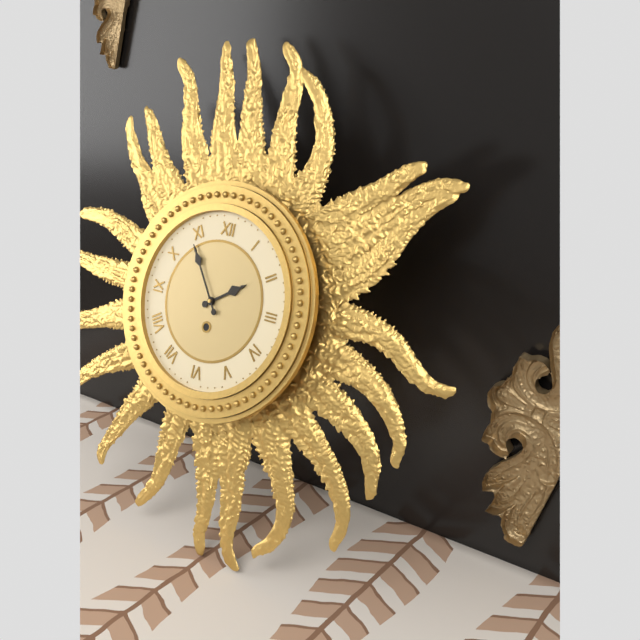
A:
1,54
